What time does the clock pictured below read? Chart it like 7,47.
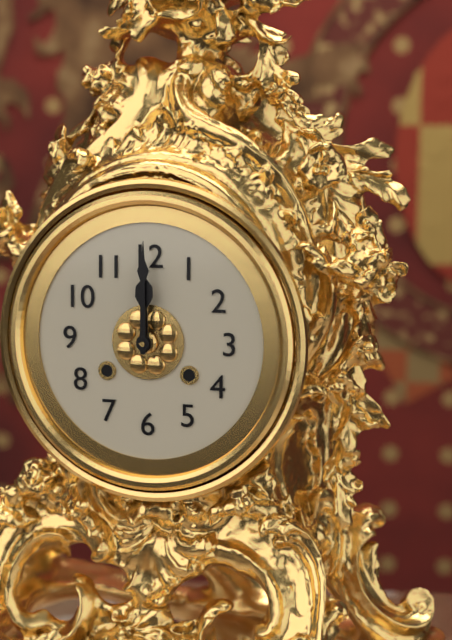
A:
12,00
